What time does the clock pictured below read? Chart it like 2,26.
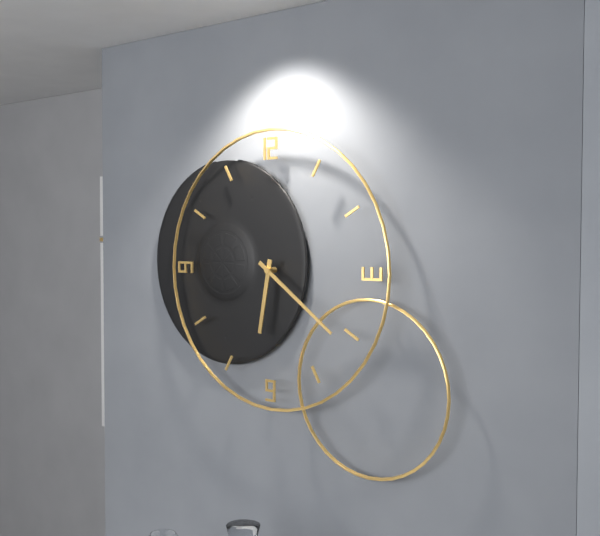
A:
6,21
